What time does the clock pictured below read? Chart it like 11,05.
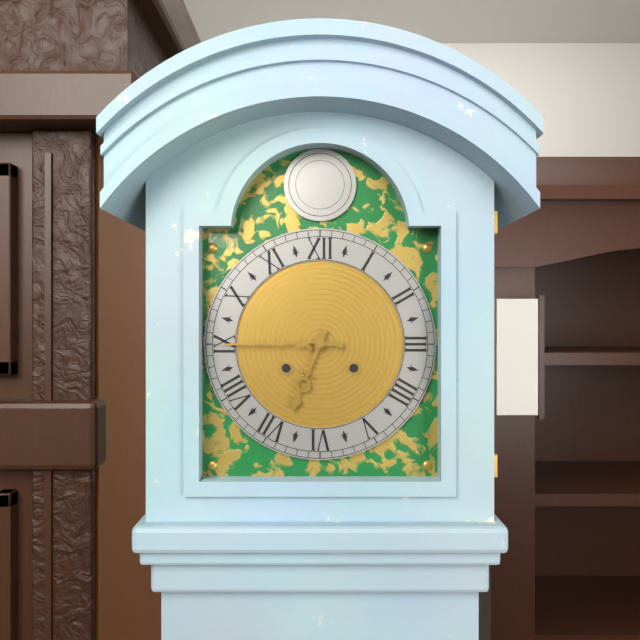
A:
6,45
